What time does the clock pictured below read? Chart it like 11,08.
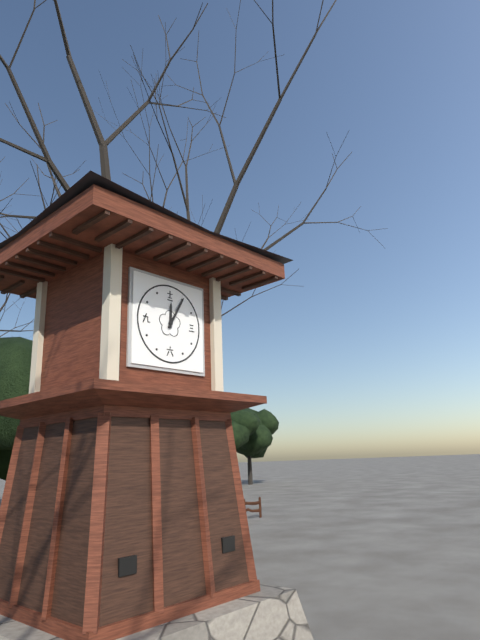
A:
12,05
